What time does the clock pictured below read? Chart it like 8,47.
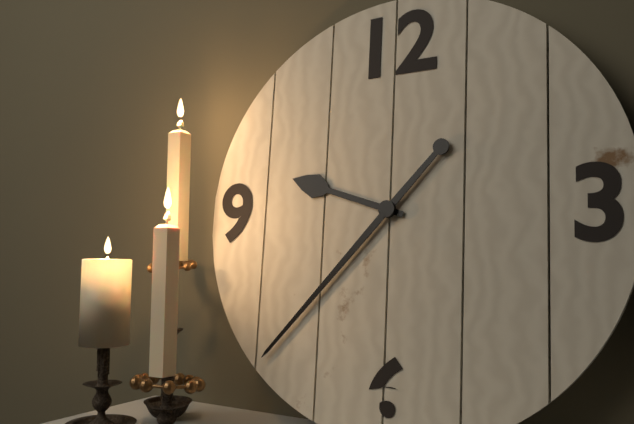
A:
9,37
